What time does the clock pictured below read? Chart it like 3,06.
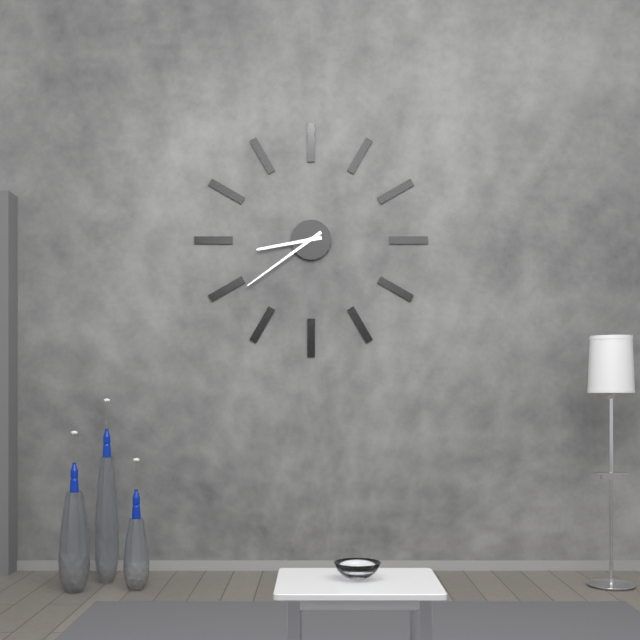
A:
8,39
